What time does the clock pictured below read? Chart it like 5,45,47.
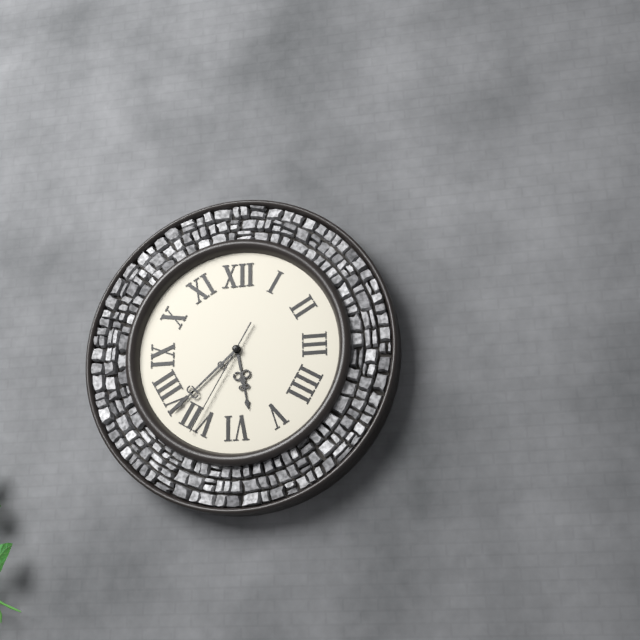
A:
5,38,35
